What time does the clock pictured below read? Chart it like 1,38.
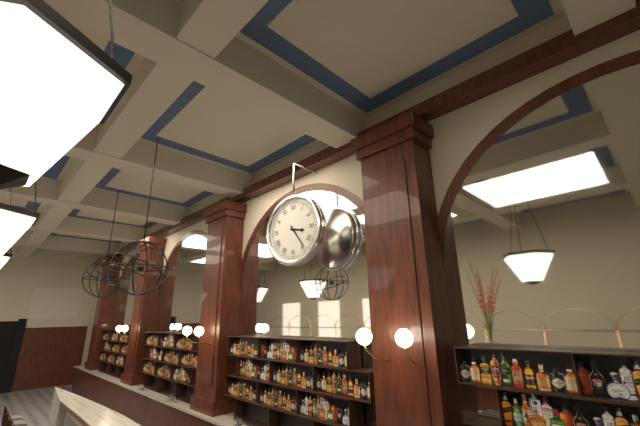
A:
3,24
